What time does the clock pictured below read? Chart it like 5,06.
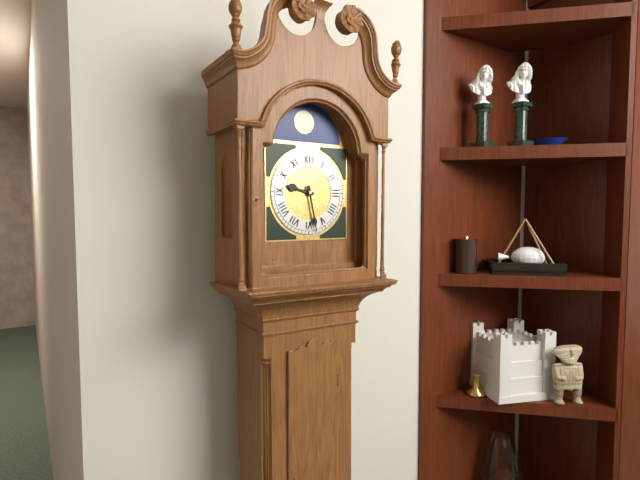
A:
9,28
